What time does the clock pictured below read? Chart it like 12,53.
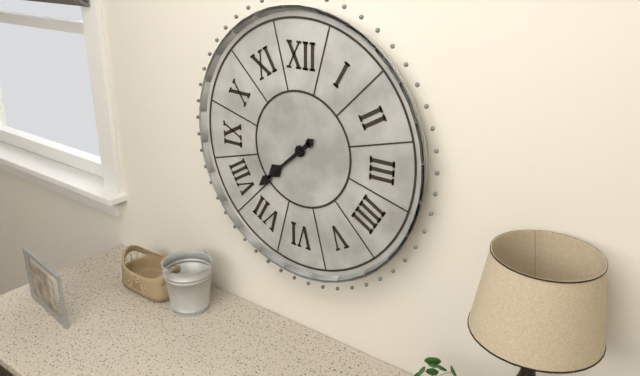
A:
7,38
